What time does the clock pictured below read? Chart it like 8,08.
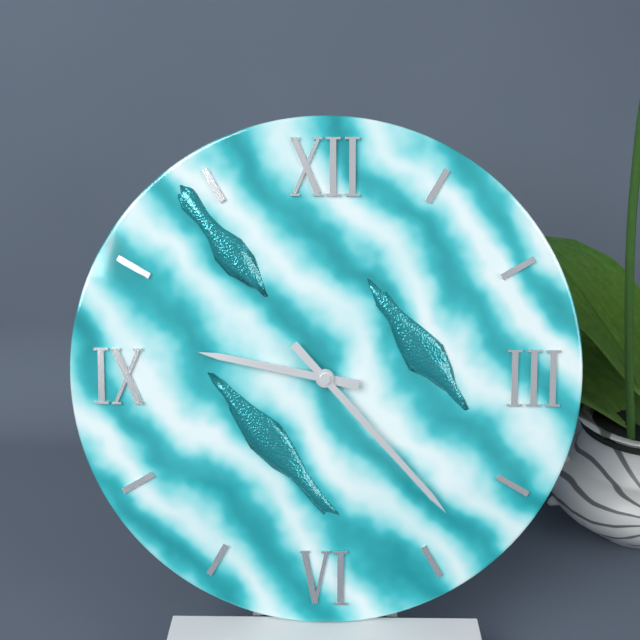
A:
9,23
